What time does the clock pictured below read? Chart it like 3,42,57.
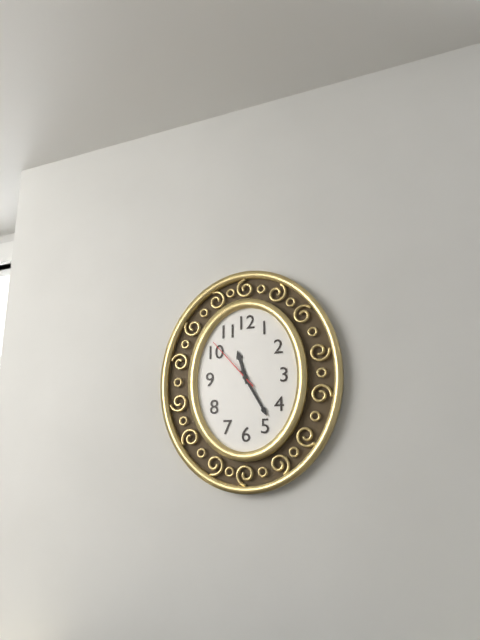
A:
11,25,53
